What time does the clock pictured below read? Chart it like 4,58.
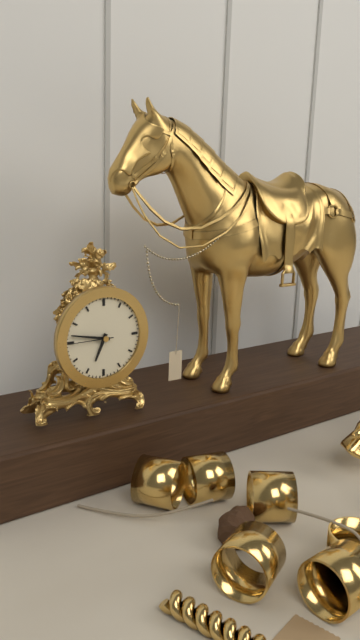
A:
6,47
